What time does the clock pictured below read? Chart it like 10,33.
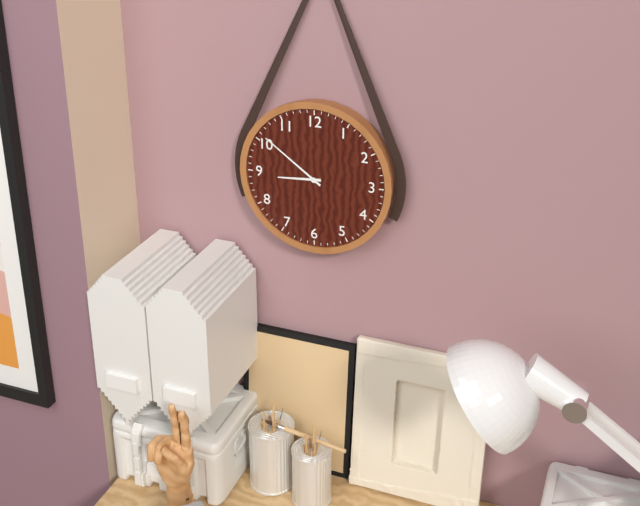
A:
8,51
